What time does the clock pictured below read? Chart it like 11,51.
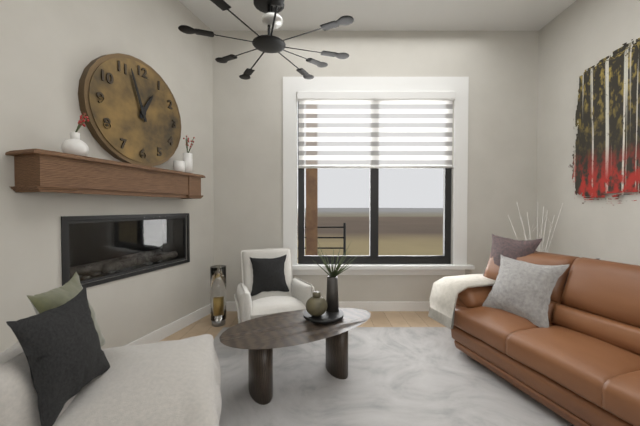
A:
12,57
